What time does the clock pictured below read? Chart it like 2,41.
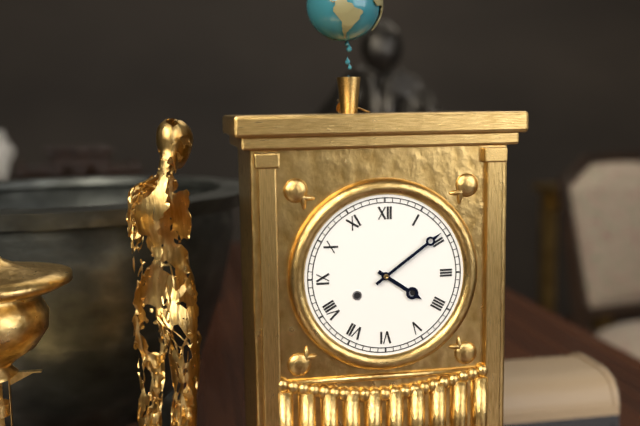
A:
4,09
